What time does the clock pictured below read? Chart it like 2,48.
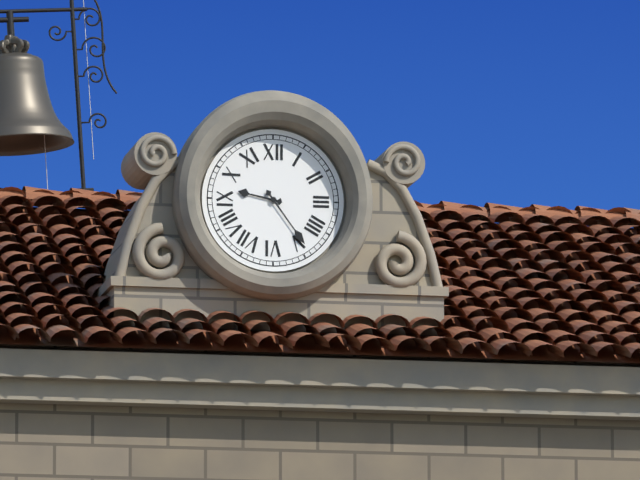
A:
9,24
